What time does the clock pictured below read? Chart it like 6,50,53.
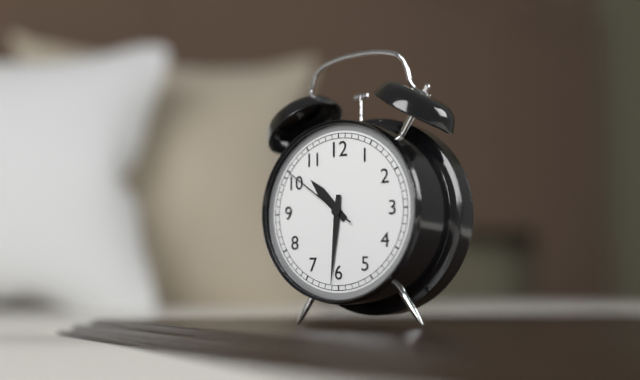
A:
10,31,51
